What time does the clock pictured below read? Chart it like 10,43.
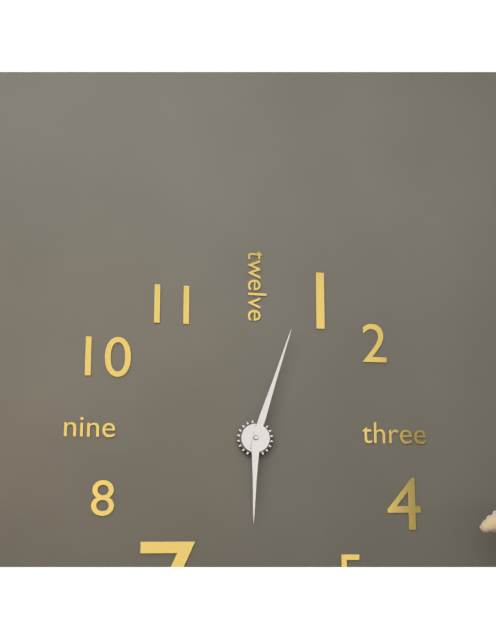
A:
6,03
